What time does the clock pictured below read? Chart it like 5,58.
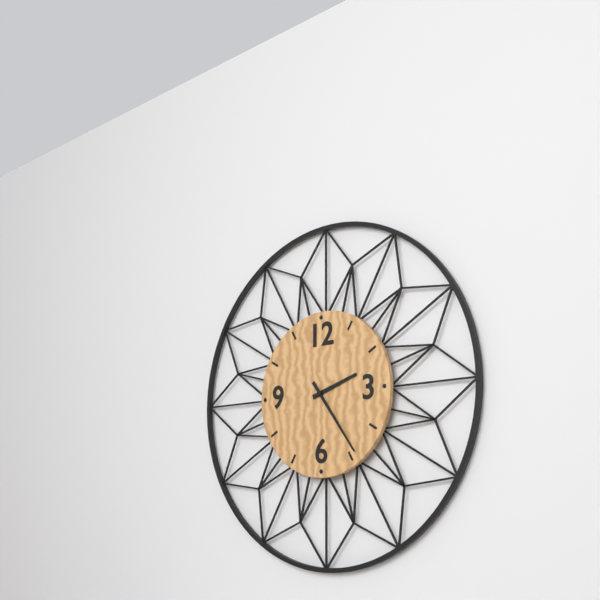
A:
2,24
